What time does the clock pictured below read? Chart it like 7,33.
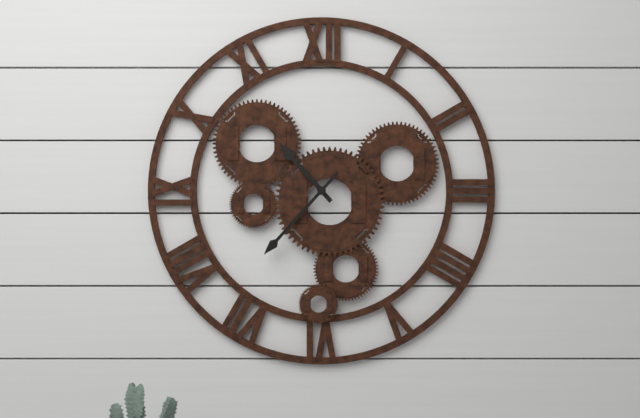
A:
10,37
